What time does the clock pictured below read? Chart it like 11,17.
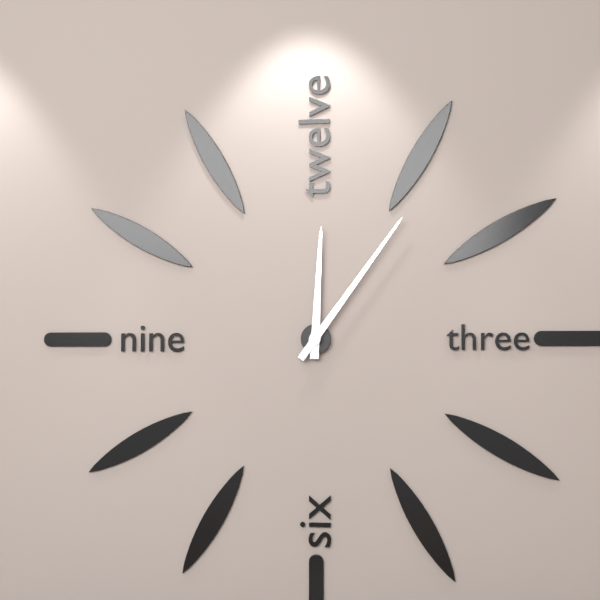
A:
12,06
